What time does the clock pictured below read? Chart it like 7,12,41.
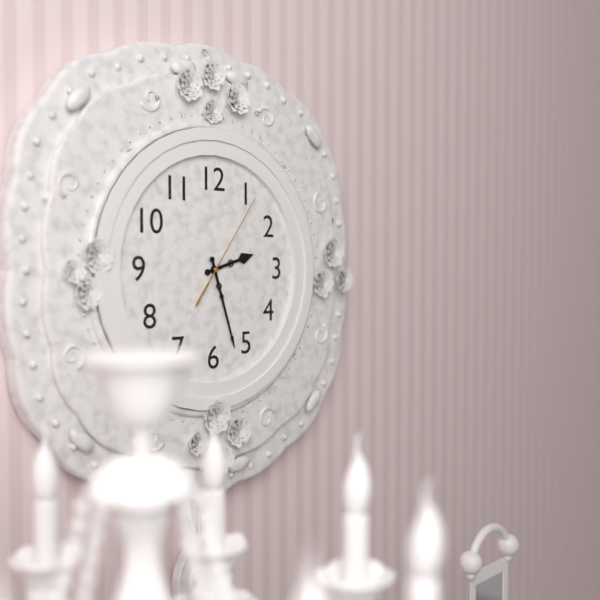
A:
2,27,06
